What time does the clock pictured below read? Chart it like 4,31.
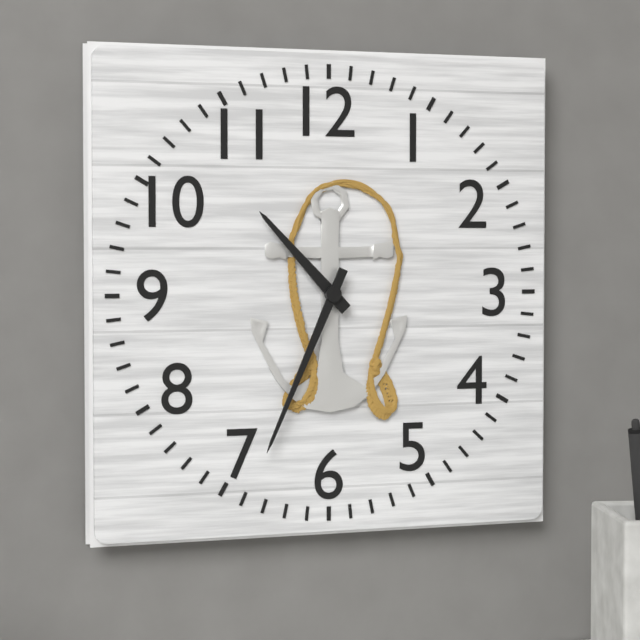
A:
10,34
